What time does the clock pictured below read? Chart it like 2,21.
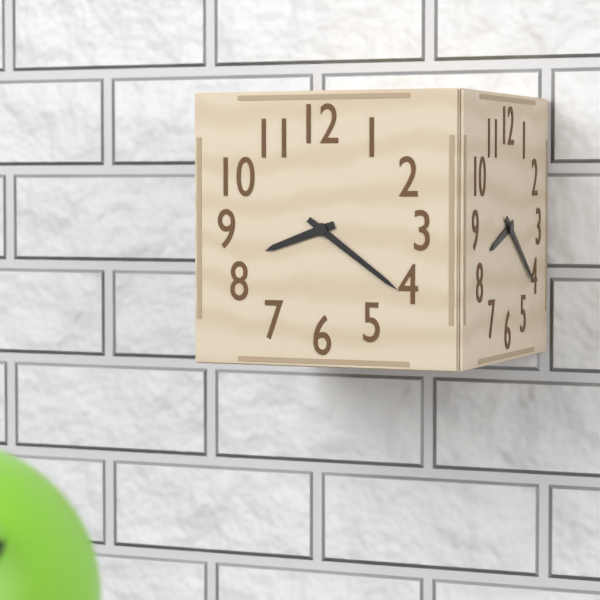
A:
8,21
